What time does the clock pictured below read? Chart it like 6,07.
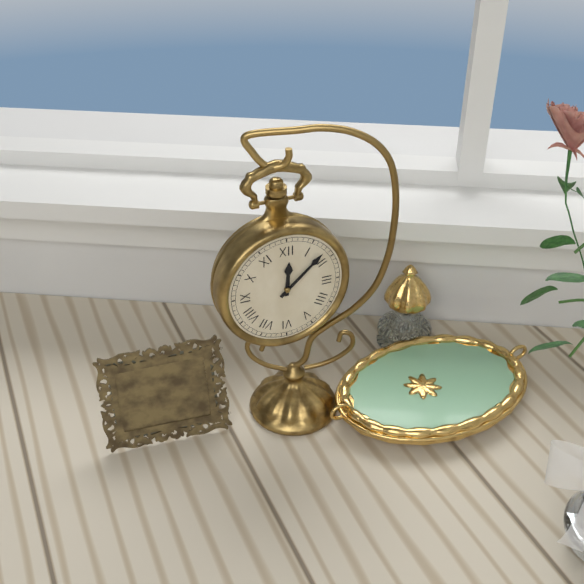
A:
12,08
